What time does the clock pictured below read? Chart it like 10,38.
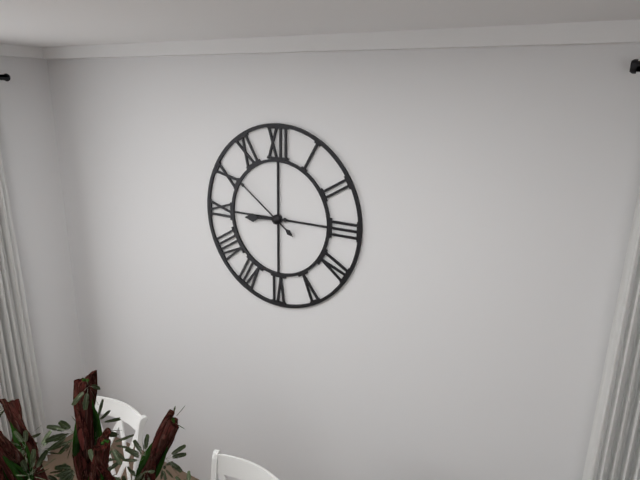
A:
8,51
